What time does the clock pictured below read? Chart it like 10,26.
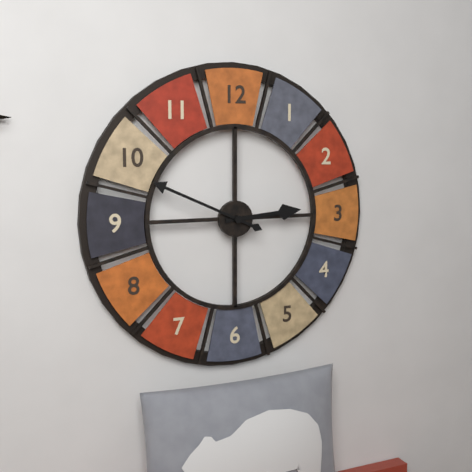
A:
2,49
